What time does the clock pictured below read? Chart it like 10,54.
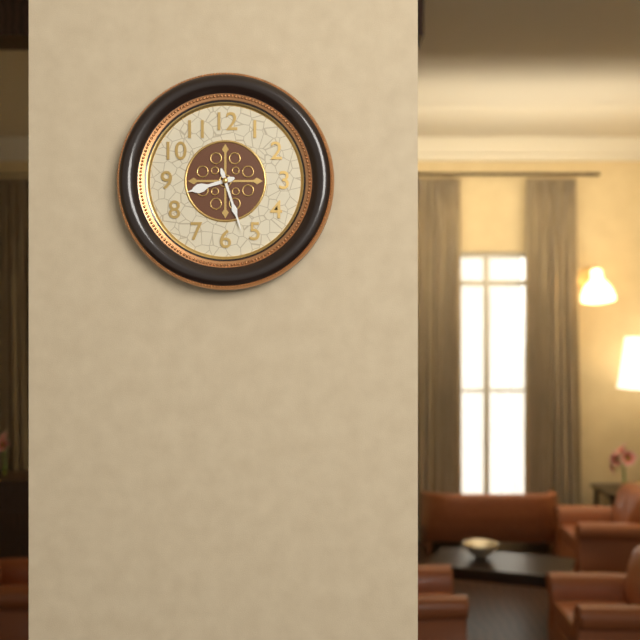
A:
8,27
